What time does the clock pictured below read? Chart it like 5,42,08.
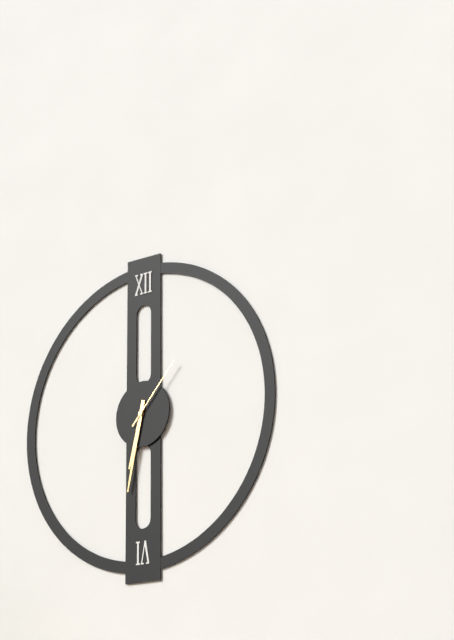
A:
6,32,07
